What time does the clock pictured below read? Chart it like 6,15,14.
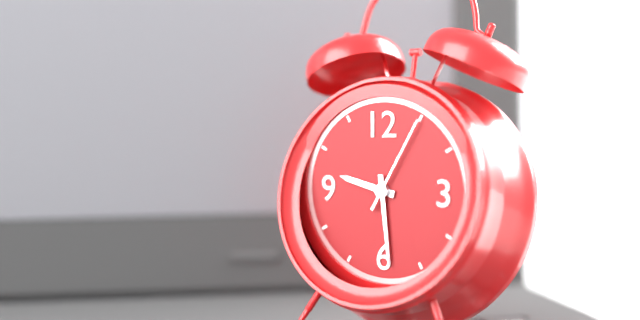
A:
9,29,05
